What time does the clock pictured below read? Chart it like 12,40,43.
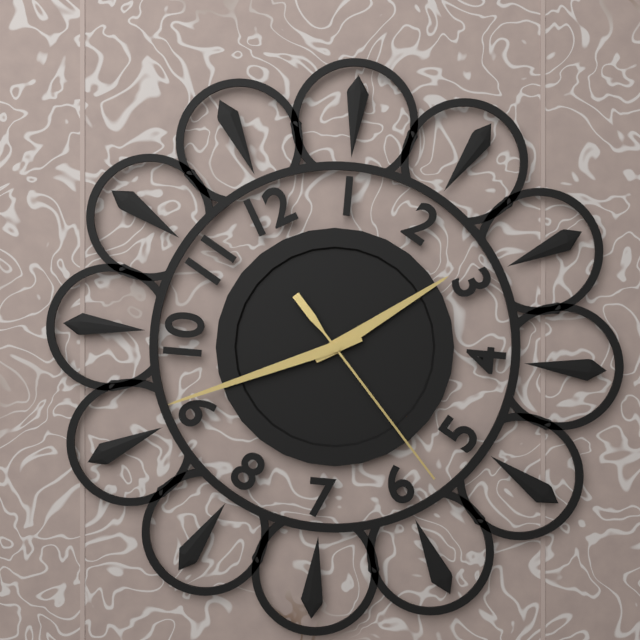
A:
2,46,28
